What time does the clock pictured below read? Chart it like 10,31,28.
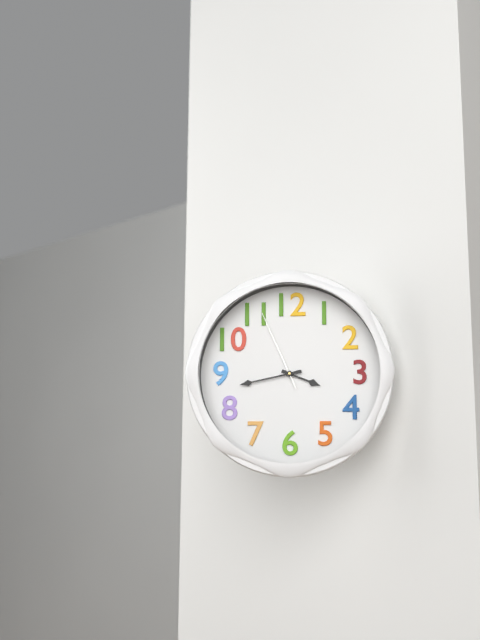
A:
3,43,56
